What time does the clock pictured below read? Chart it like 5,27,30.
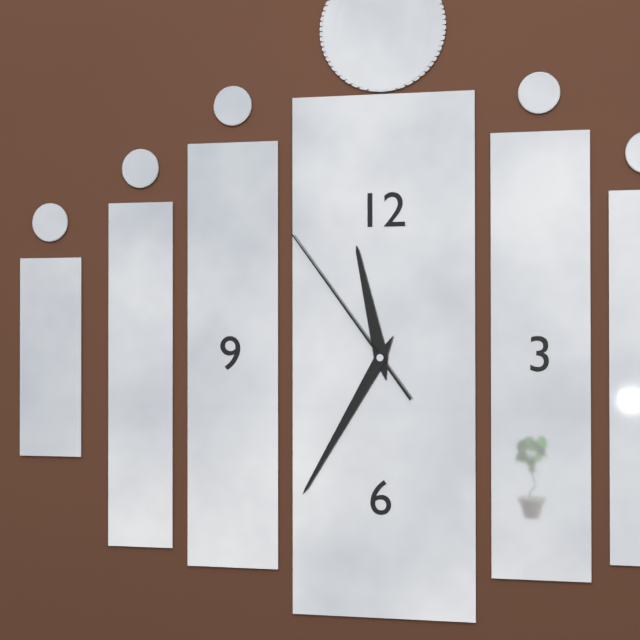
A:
11,35,54
